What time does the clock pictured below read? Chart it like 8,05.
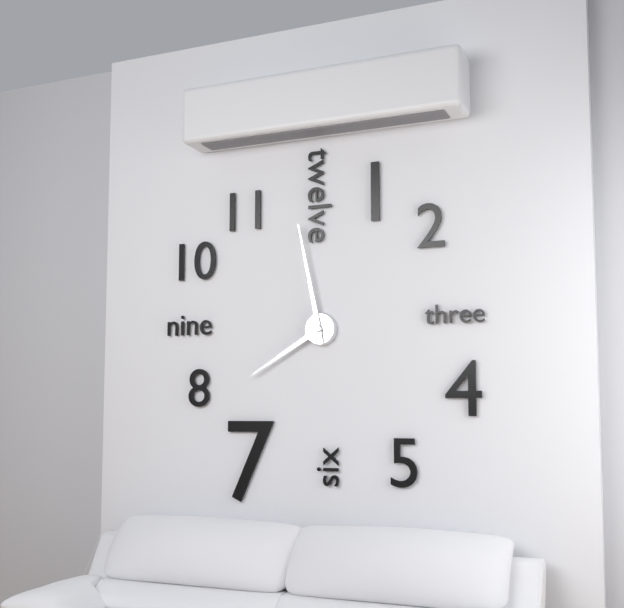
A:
7,58
